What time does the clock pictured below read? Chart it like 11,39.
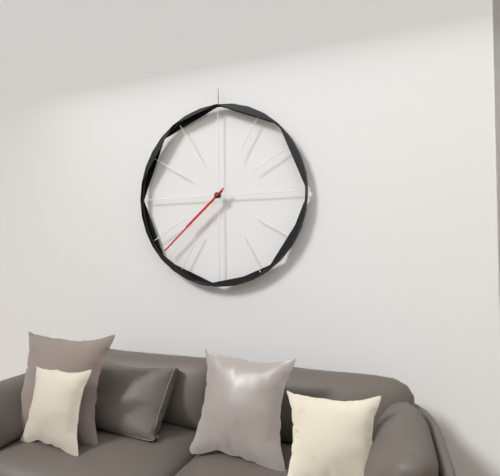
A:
7,38
